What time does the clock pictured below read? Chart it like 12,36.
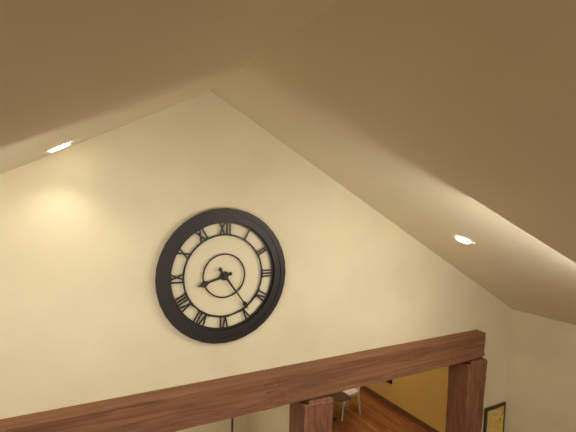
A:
8,24
